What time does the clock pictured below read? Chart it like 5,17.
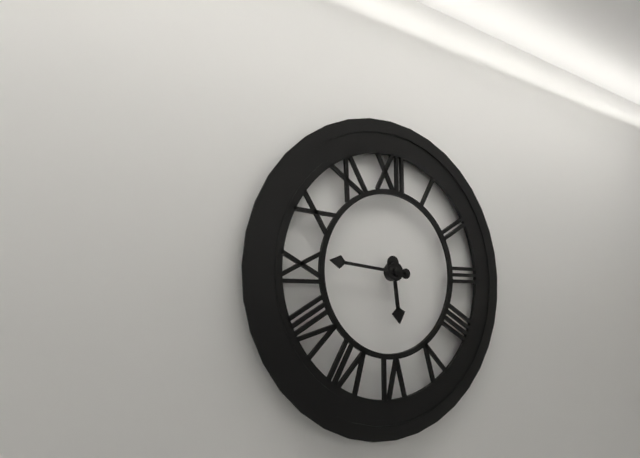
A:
5,46
